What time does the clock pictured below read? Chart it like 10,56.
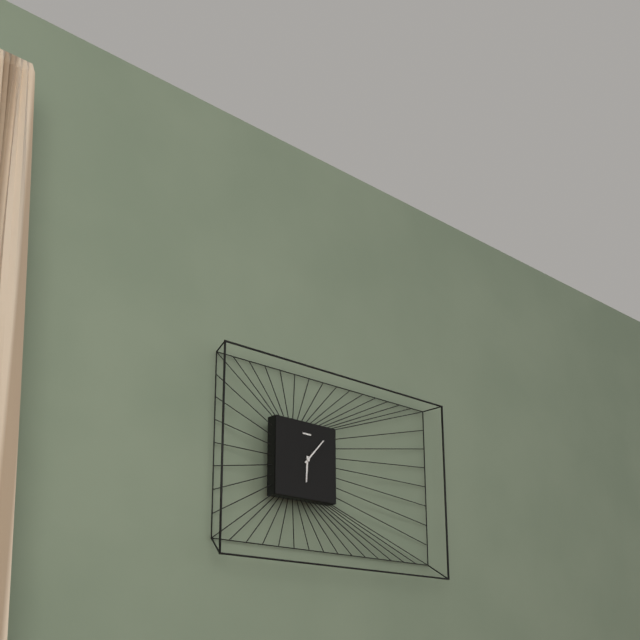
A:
6,07
